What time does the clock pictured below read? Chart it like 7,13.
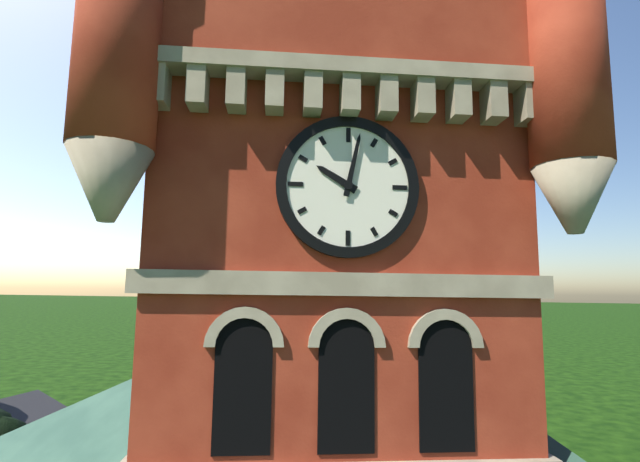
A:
10,02
